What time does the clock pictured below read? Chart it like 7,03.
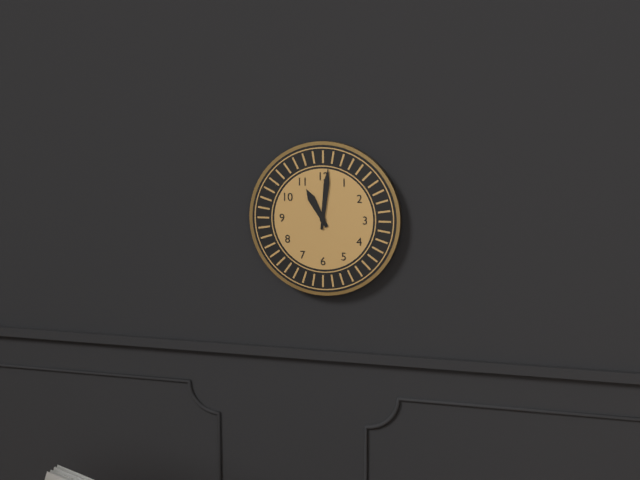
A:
11,01
